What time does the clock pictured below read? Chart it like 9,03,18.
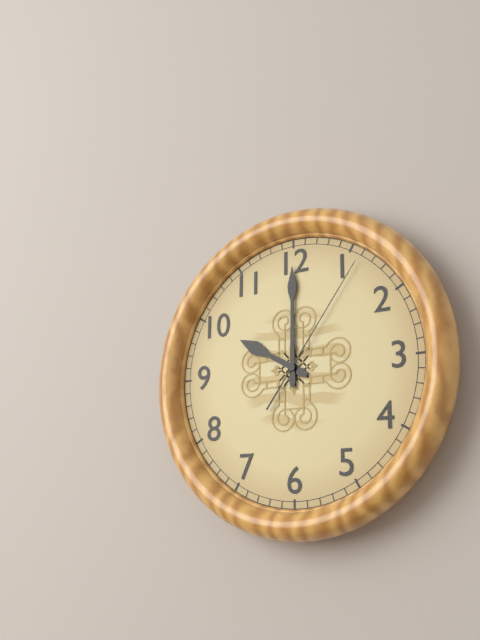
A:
10,00,06
